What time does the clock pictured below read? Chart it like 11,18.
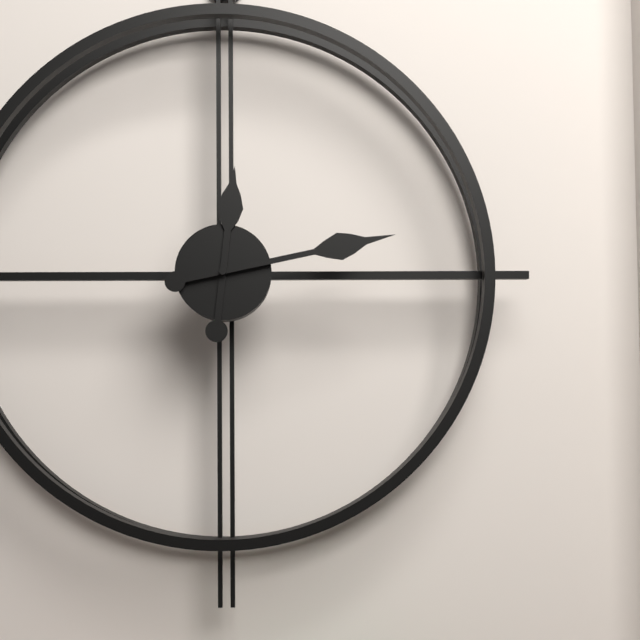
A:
12,13
